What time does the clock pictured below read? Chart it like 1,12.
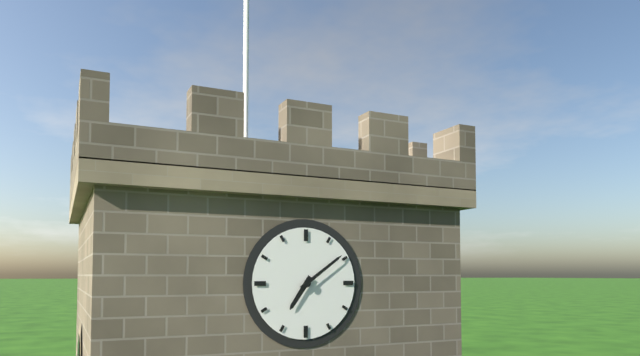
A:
7,09
